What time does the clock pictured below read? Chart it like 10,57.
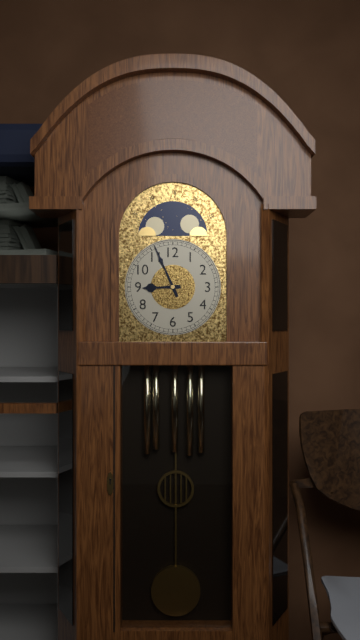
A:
8,56
